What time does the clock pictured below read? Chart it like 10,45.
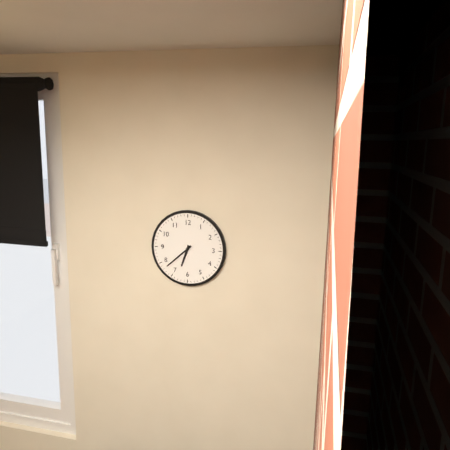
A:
6,38
